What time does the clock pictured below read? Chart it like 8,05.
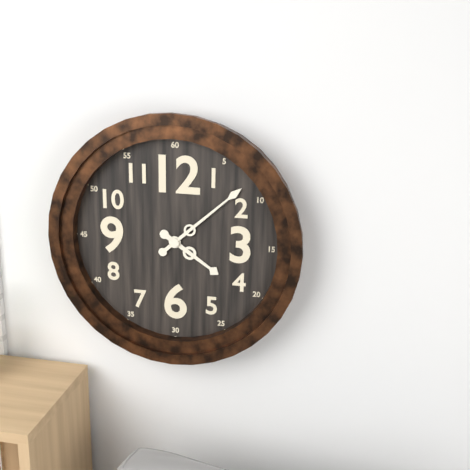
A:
4,08
